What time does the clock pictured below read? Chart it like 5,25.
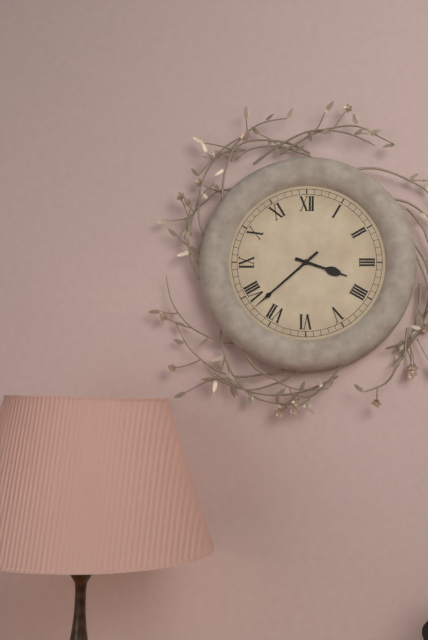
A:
3,38
